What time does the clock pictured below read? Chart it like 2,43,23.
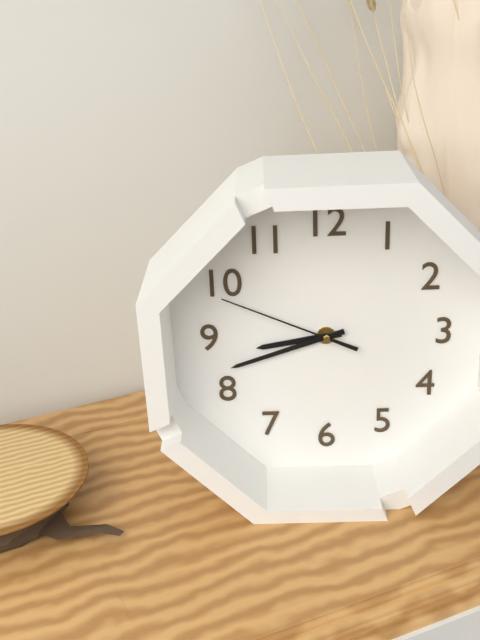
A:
8,42,49
